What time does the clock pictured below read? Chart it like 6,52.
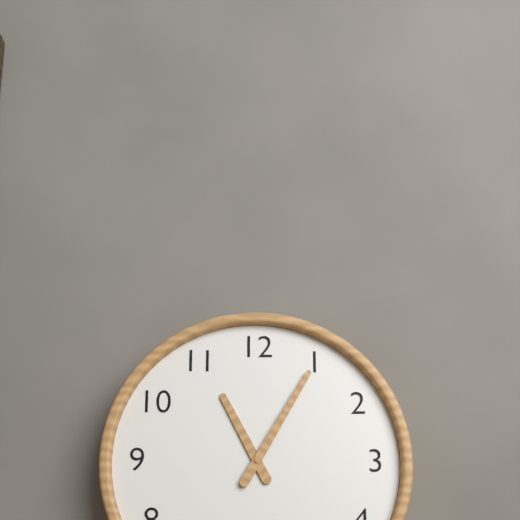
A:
11,05
